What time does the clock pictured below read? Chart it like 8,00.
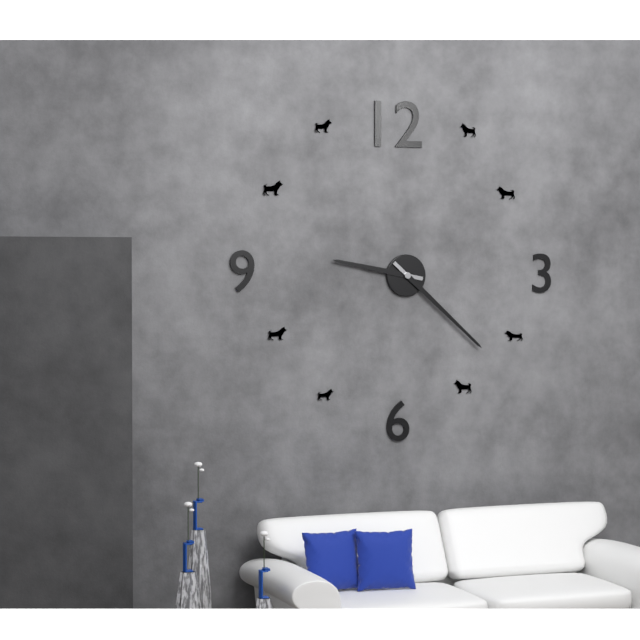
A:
9,22
